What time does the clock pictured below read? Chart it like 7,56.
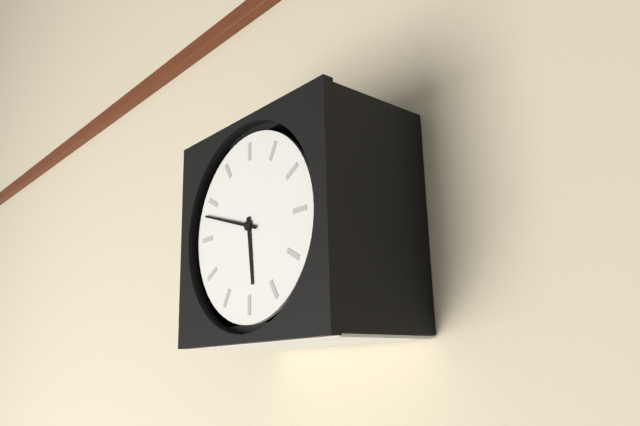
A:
5,48
